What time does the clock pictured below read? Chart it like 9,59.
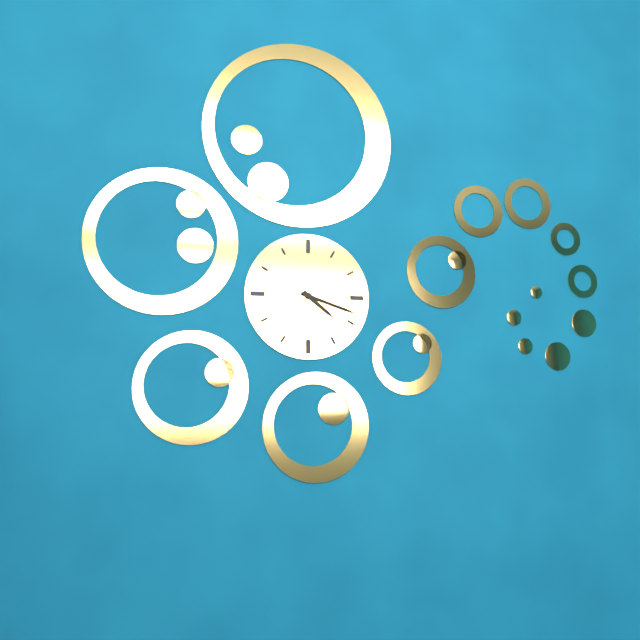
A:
4,18
